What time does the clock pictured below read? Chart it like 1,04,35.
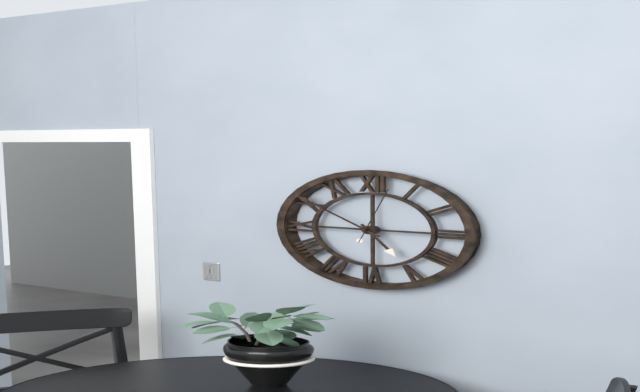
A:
4,51,03
